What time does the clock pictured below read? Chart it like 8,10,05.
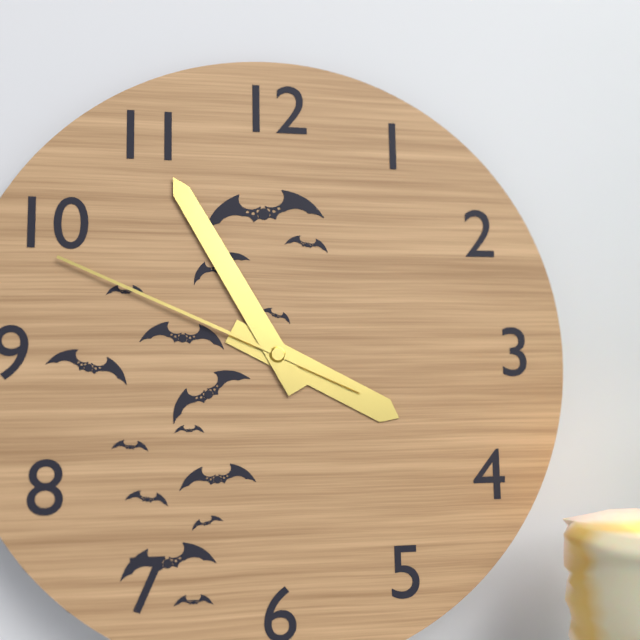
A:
3,55,49
